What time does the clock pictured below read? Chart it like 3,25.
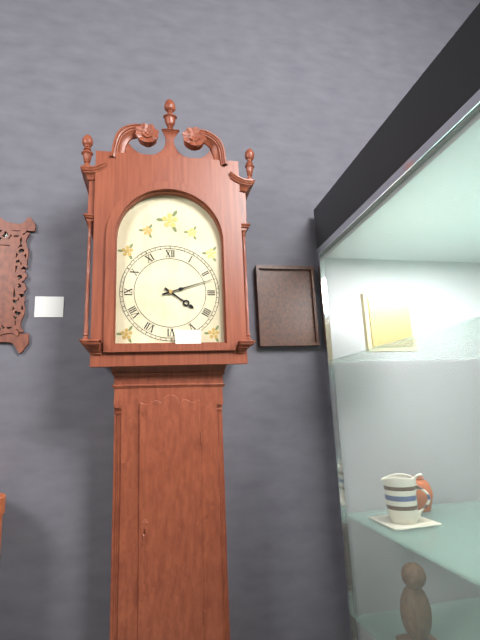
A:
4,12
